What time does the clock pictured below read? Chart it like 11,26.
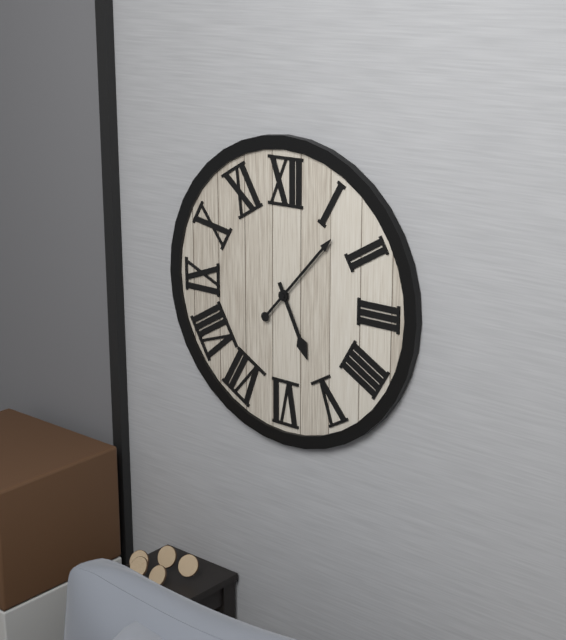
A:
5,07
